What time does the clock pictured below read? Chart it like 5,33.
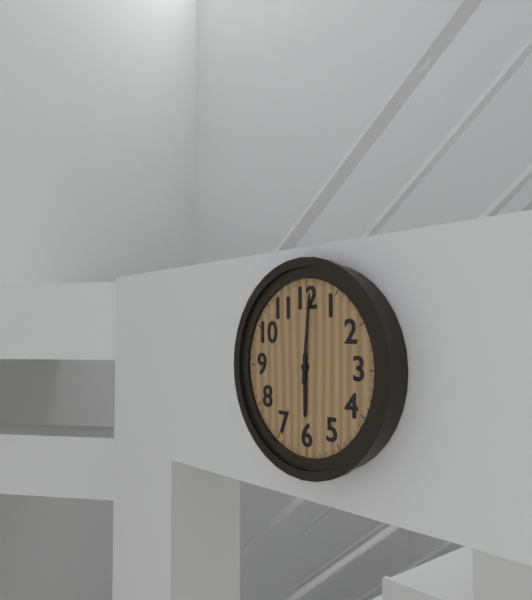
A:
6,01
